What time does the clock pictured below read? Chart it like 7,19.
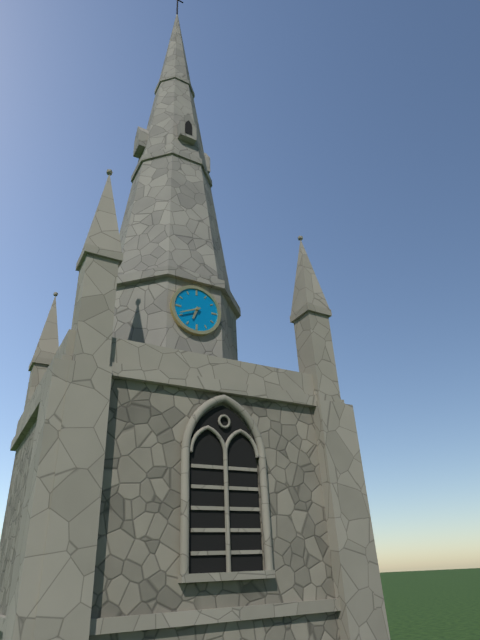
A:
6,41
